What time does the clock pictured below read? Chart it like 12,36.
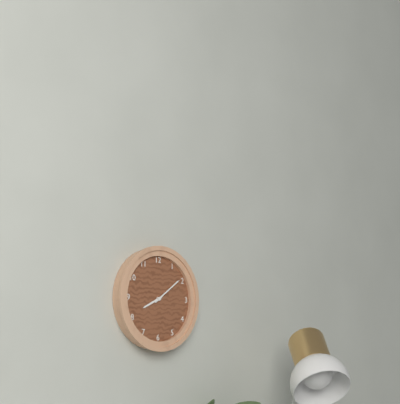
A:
8,09
